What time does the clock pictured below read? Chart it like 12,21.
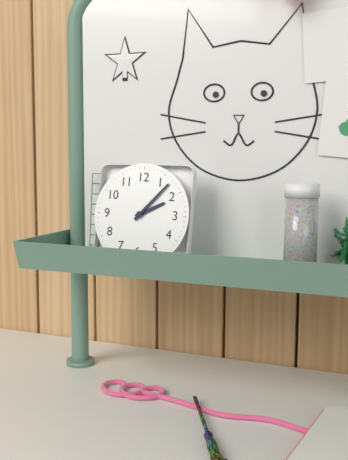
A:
2,07
